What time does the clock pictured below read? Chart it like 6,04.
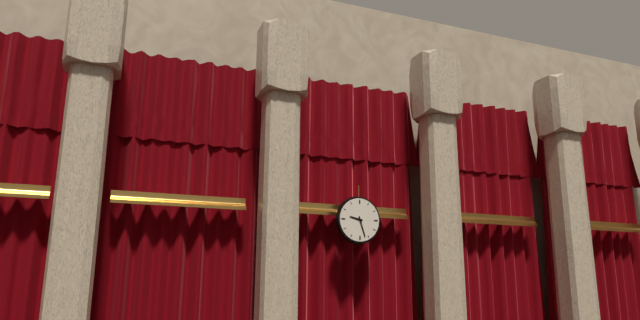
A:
9,27
